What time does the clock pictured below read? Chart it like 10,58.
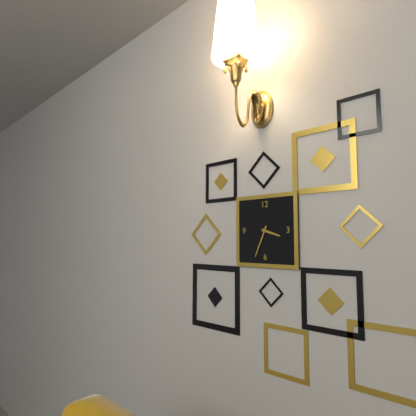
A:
3,34
